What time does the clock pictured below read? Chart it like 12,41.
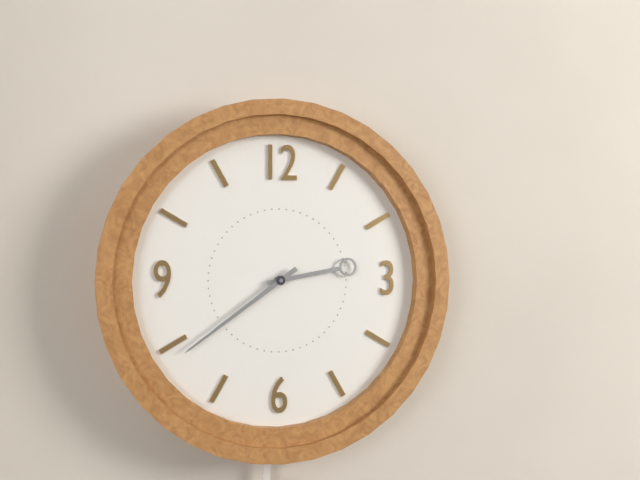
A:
2,39
